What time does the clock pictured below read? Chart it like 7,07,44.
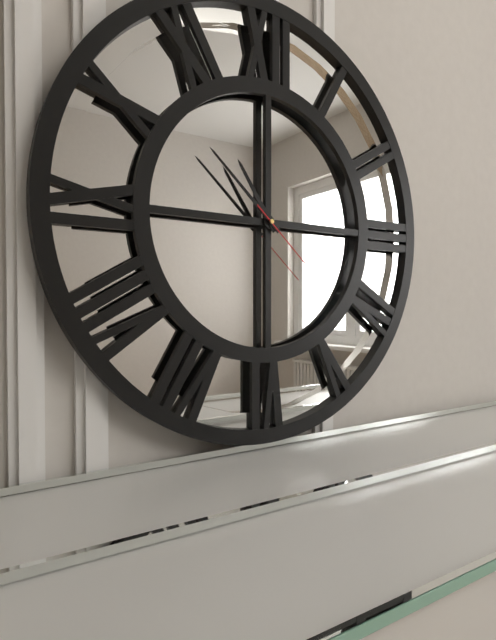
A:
10,52,22
